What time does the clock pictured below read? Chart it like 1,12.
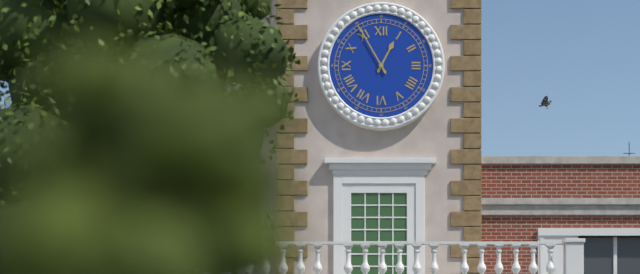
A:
12,55
